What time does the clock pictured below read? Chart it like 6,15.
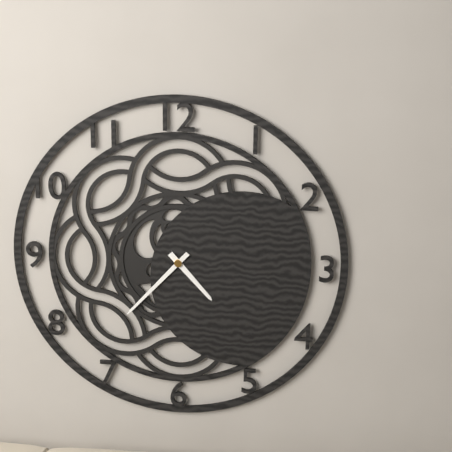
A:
4,37
